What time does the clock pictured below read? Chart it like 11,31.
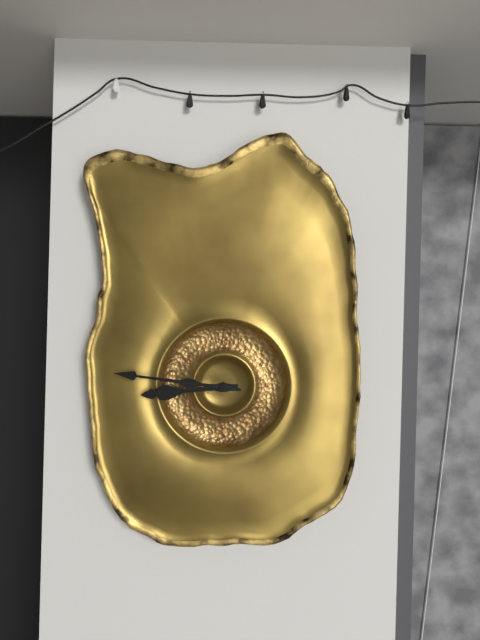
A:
8,46
